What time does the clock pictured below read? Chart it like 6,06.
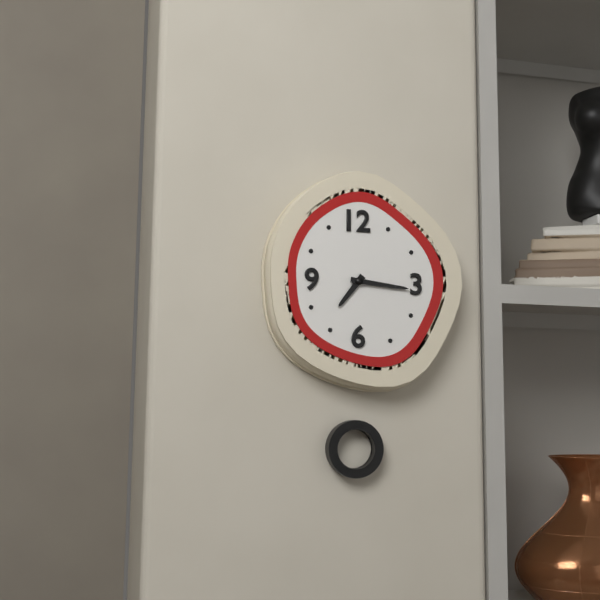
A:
7,16
